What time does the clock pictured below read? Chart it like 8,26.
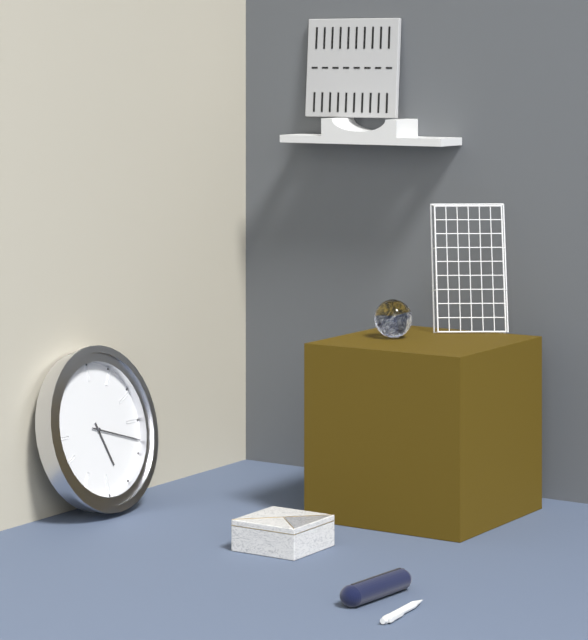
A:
5,18
